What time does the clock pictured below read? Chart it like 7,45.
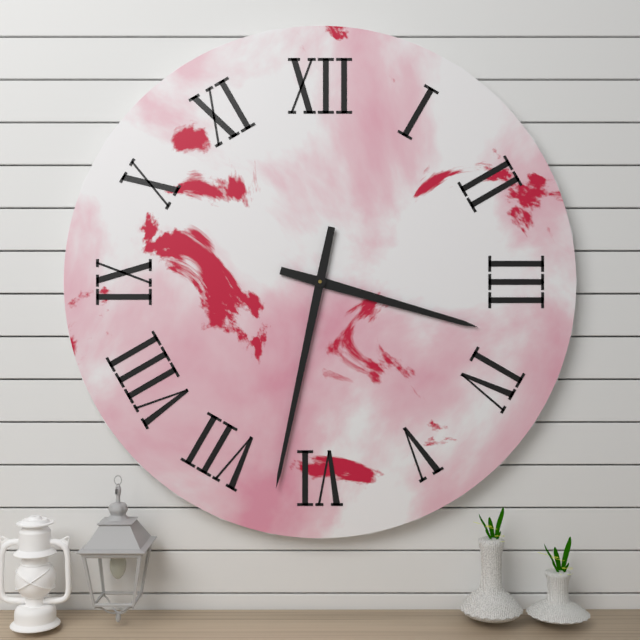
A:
3,32
